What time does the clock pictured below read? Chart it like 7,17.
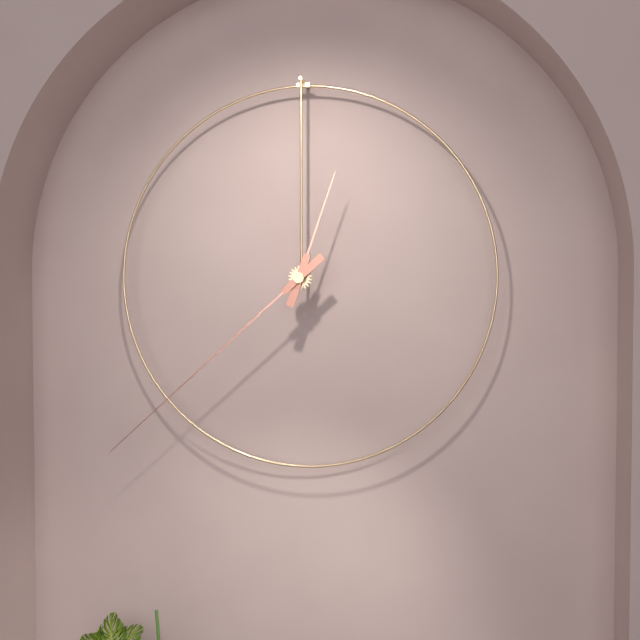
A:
12,38
